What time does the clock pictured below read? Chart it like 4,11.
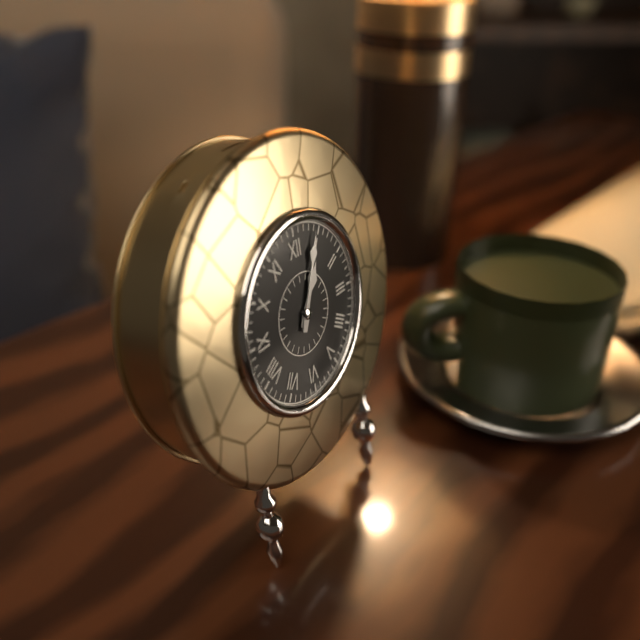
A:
1,04
